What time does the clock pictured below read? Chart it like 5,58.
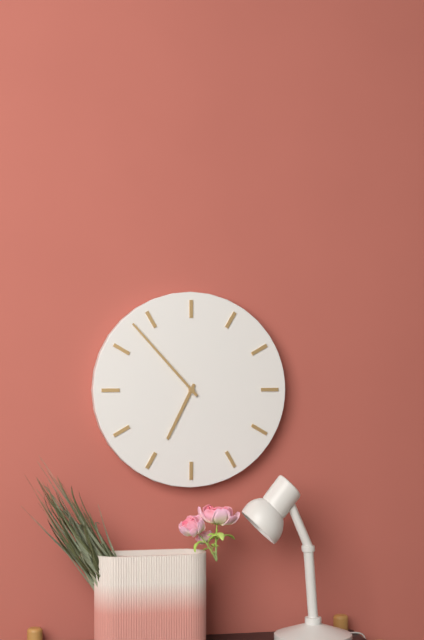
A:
6,53
